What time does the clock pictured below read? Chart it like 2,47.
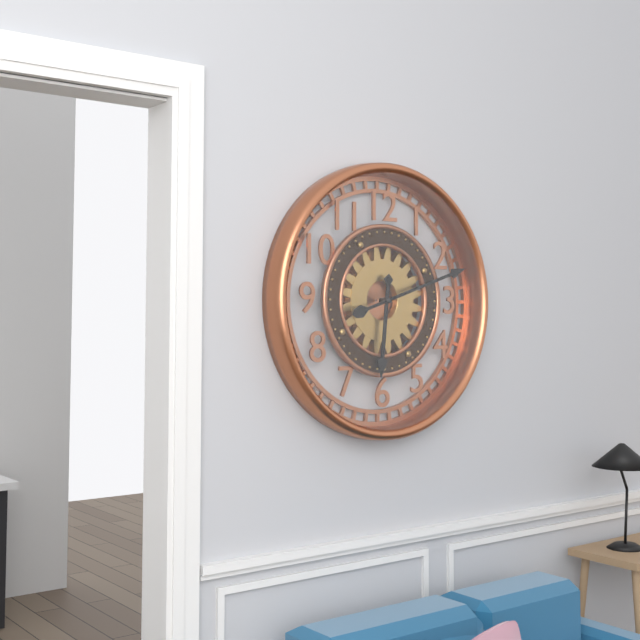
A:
6,12
